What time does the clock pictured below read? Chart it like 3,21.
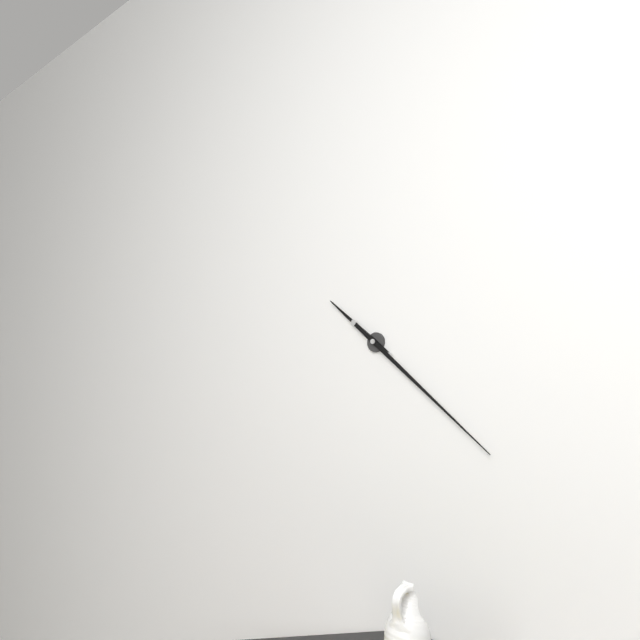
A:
10,22
